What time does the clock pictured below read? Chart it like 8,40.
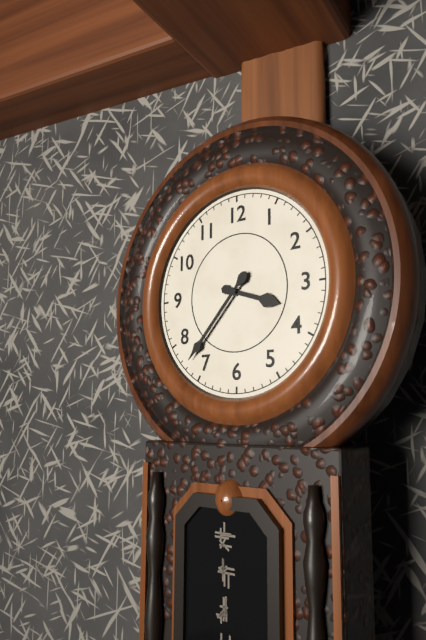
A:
3,37
